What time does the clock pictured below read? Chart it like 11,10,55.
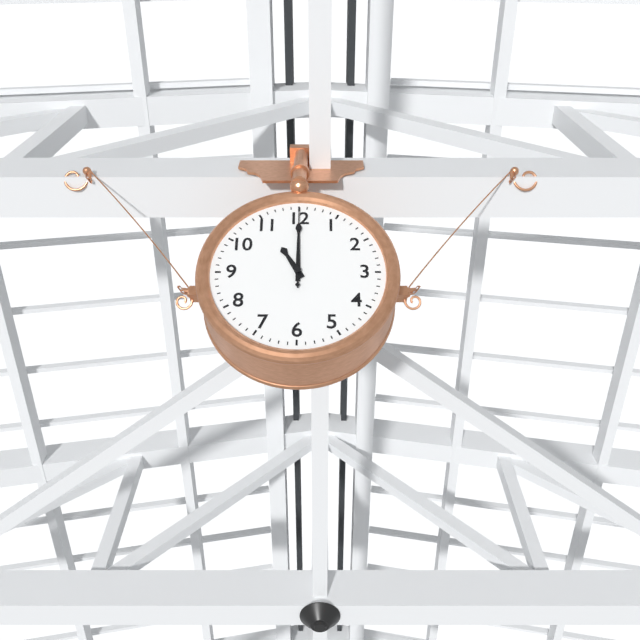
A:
11,00,00
